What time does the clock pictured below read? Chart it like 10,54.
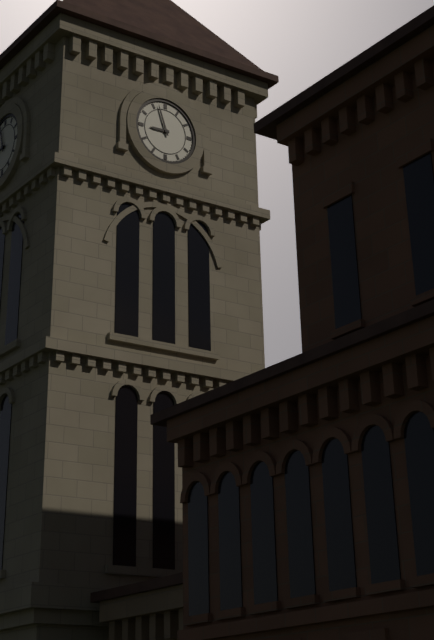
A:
8,57
